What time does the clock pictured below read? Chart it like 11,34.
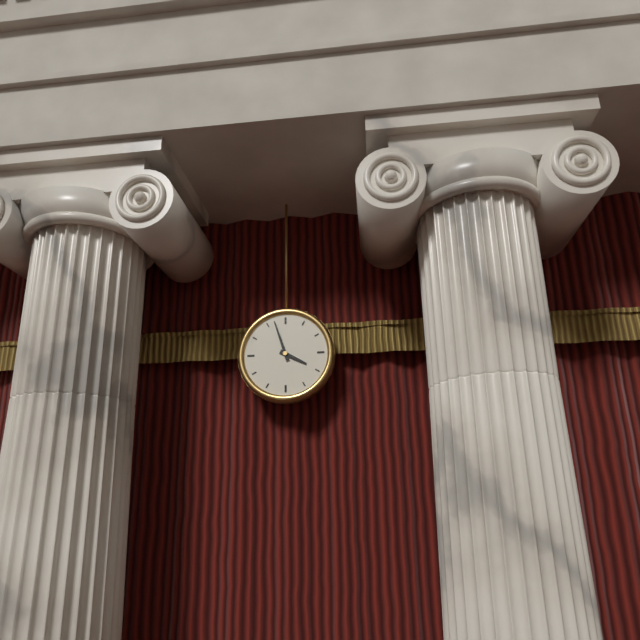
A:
3,57
